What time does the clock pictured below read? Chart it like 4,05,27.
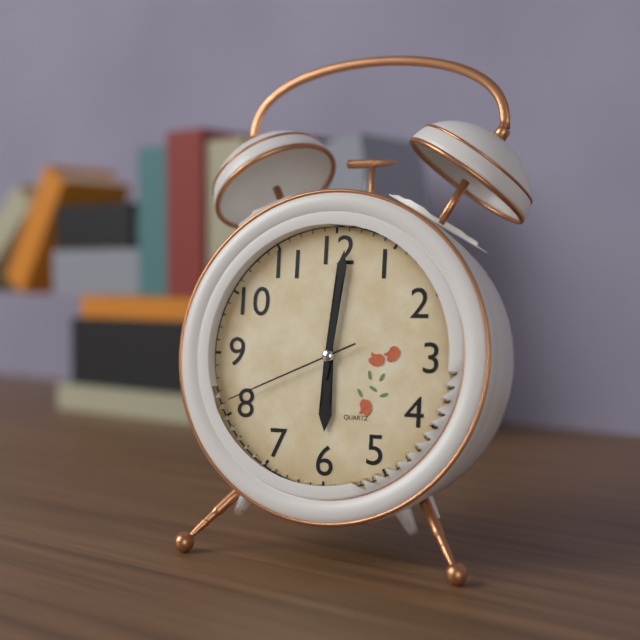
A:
6,01,41
